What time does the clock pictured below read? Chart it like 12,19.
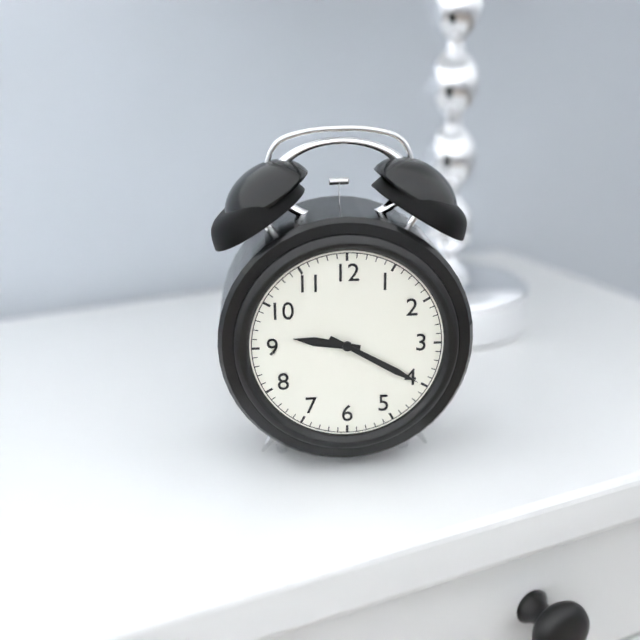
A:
9,20
